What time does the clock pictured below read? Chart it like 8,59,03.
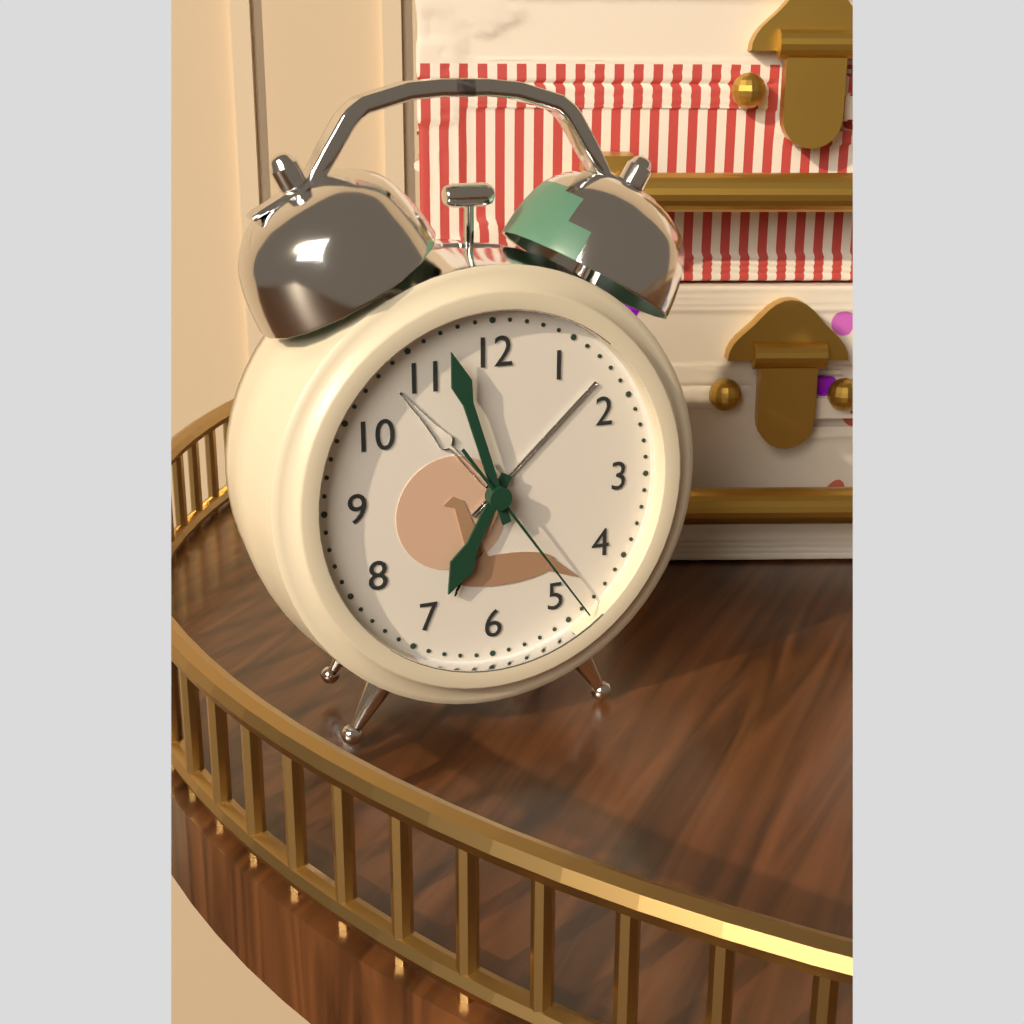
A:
6,57,24
